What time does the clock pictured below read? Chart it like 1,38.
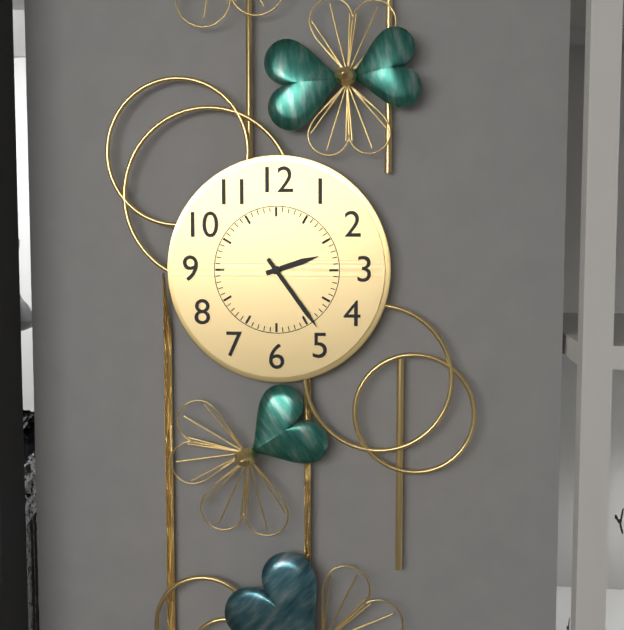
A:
2,24
